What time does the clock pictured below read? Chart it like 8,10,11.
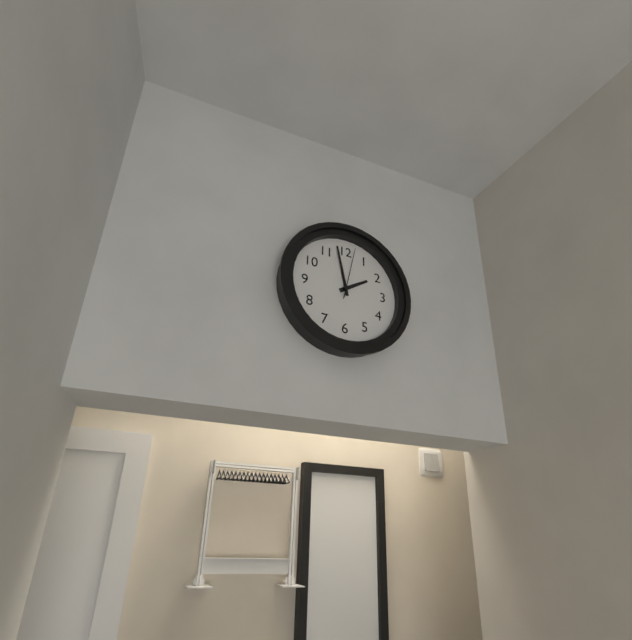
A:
1,58,02
